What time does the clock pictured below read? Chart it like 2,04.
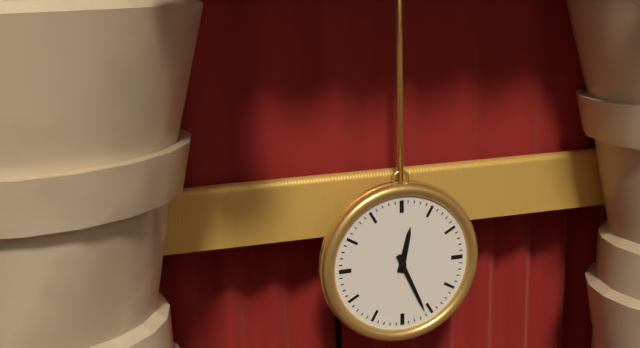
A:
12,26
